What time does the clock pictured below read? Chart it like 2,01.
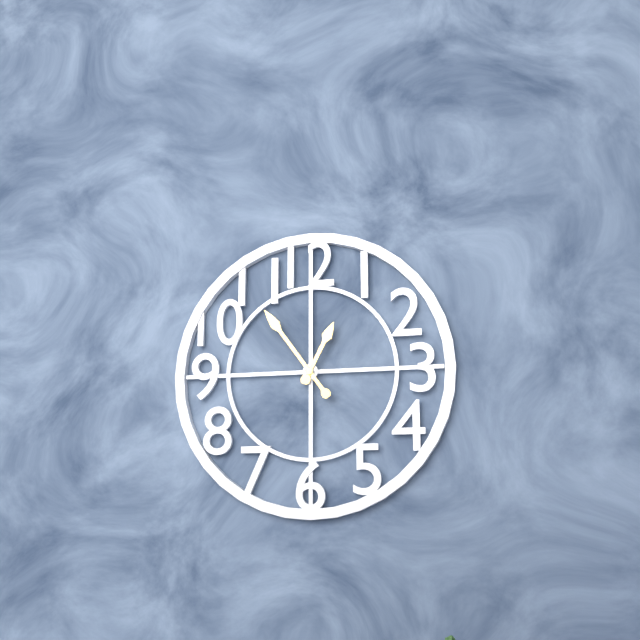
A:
12,54
